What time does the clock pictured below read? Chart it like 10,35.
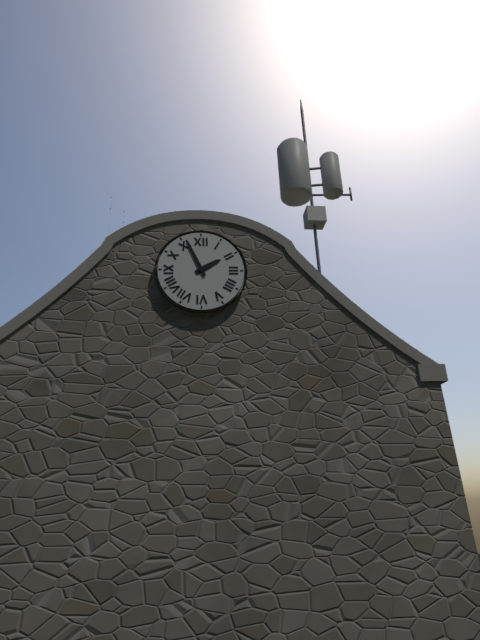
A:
1,56
